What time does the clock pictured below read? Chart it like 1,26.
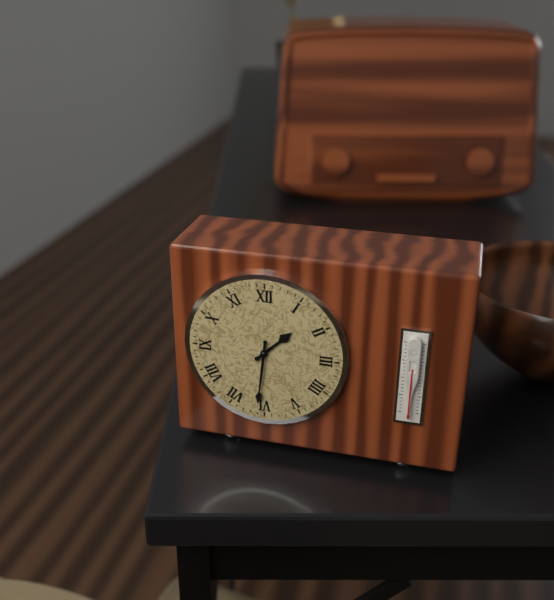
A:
1,31
